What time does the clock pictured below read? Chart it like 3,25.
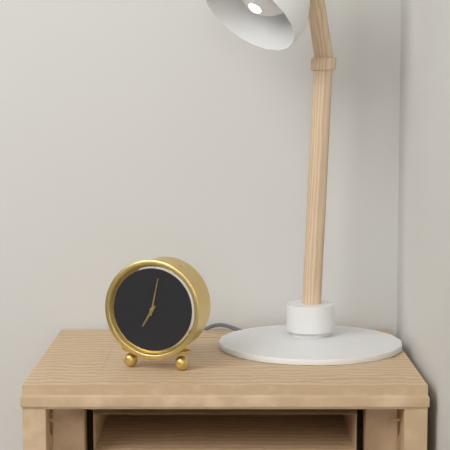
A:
7,02
